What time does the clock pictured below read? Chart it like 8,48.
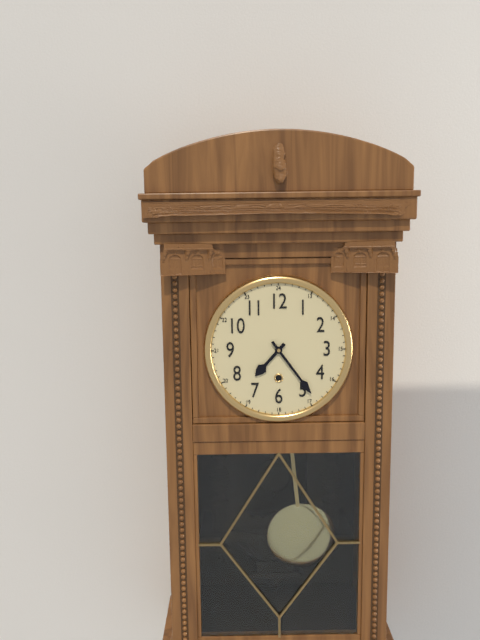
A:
7,24
